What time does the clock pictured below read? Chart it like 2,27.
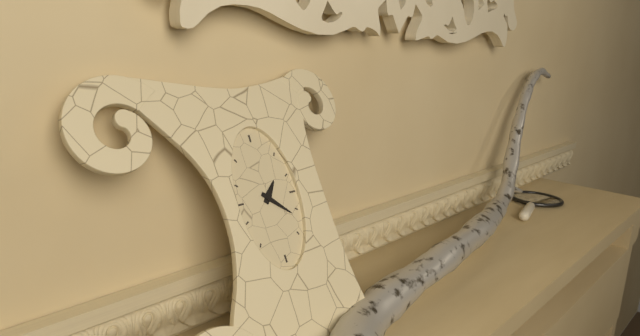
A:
1,22
